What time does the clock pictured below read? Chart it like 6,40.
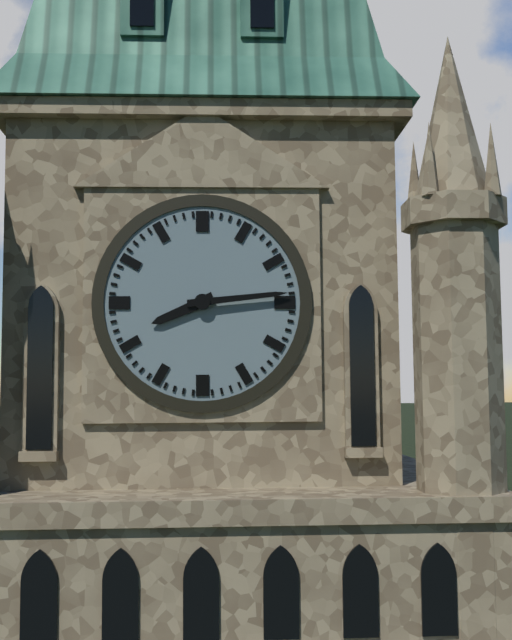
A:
8,14
